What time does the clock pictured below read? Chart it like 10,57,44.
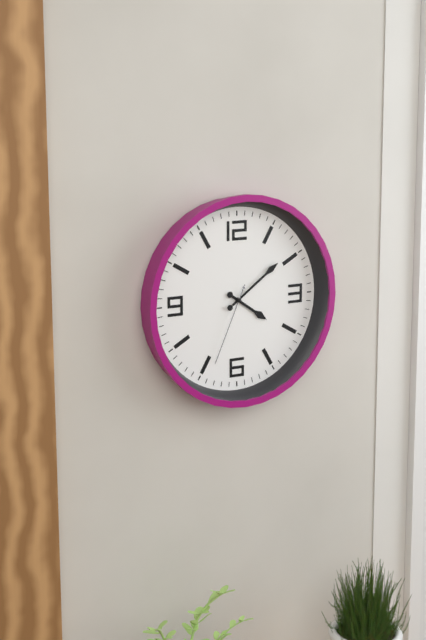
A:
4,09,34
